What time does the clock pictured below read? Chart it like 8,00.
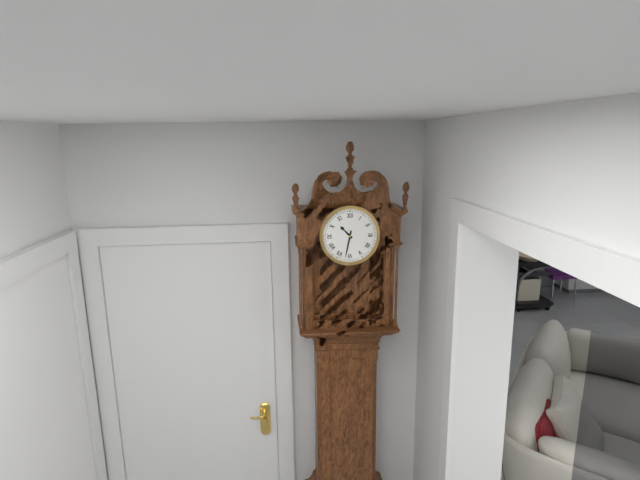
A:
10,32
